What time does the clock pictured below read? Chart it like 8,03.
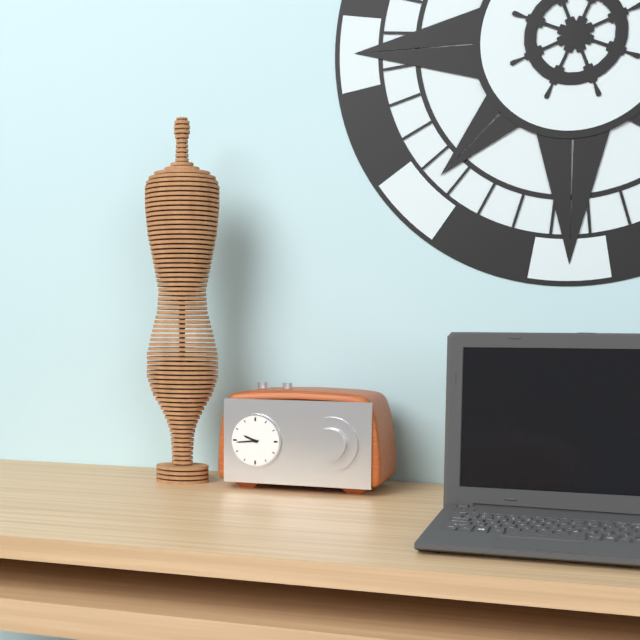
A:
9,44
